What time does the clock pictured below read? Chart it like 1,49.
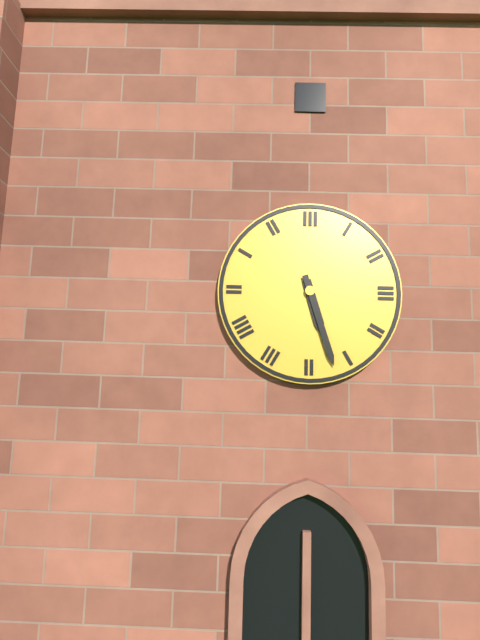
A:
5,27
